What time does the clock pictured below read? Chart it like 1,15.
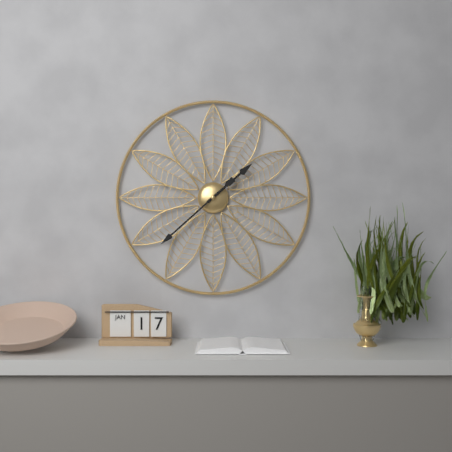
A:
1,38
